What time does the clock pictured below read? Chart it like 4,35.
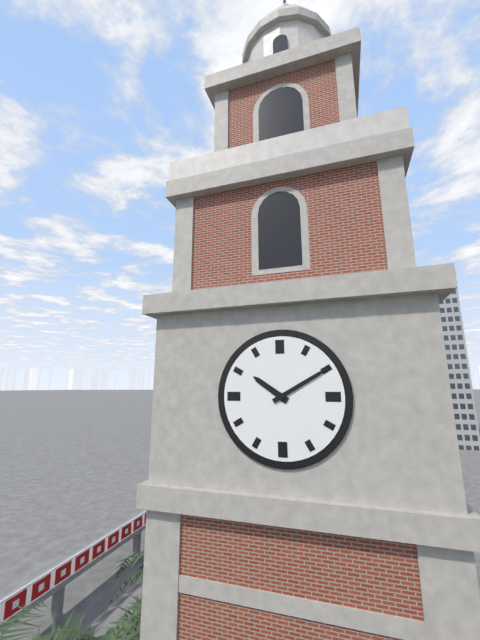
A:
10,10
